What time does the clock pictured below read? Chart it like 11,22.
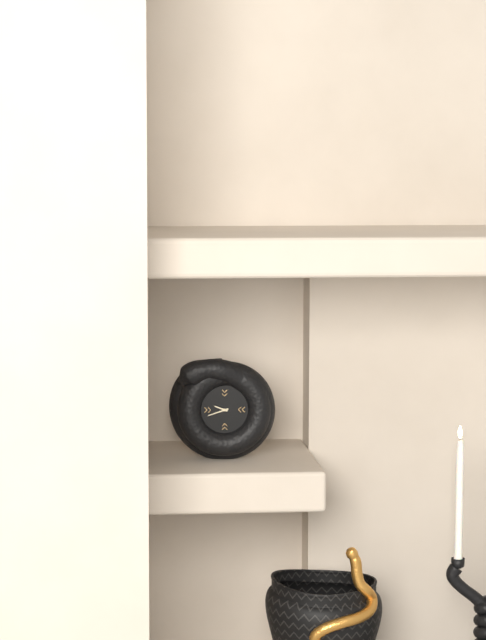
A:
9,42
